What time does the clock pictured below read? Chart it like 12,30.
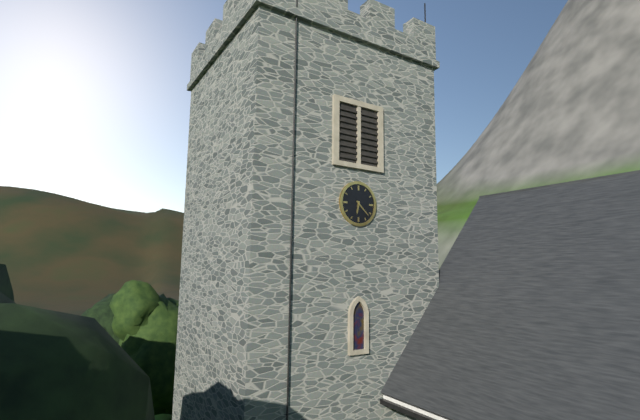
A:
6,22
